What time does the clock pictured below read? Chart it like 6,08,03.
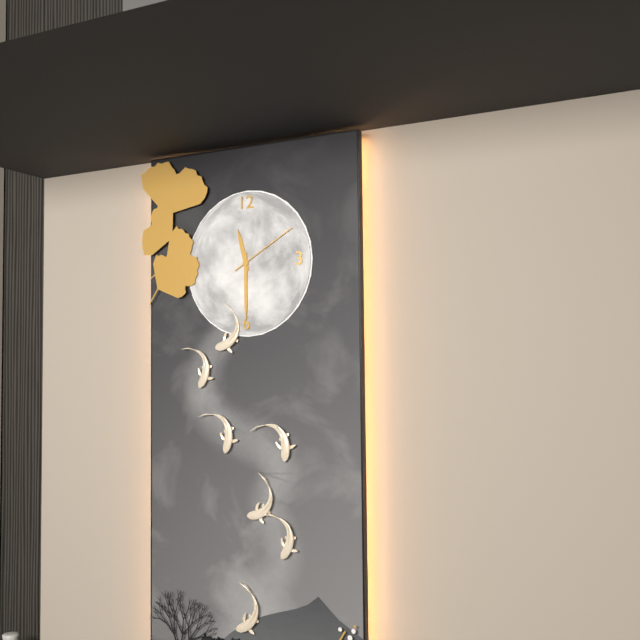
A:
11,30,10
